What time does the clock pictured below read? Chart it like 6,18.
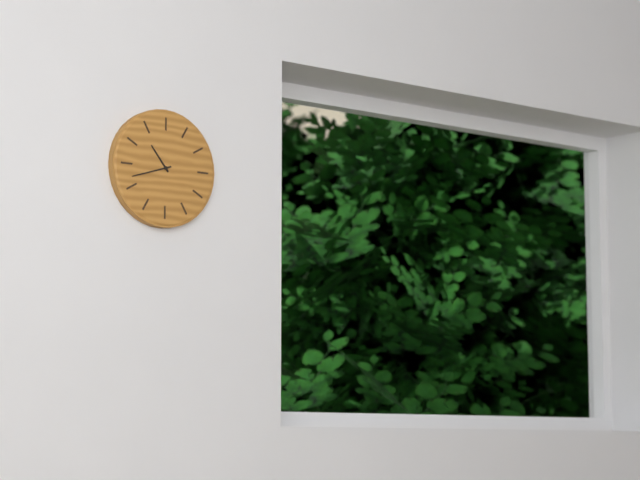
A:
10,42
